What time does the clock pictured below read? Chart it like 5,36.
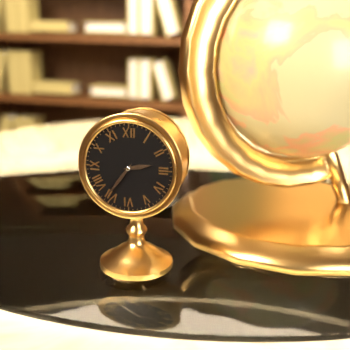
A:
2,36
